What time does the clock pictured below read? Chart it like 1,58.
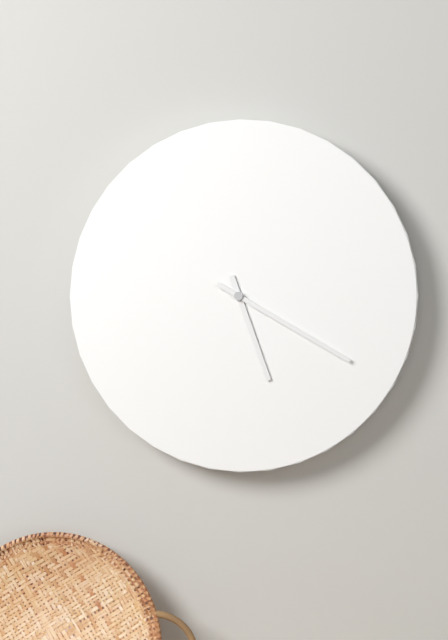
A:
5,20
